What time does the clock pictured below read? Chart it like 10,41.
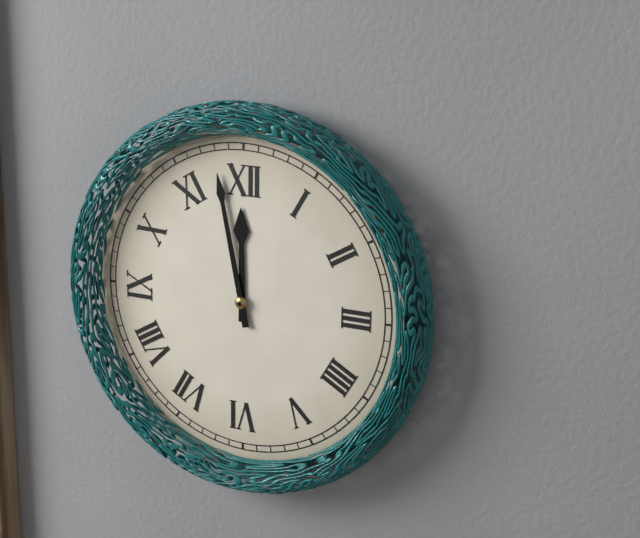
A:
11,58
